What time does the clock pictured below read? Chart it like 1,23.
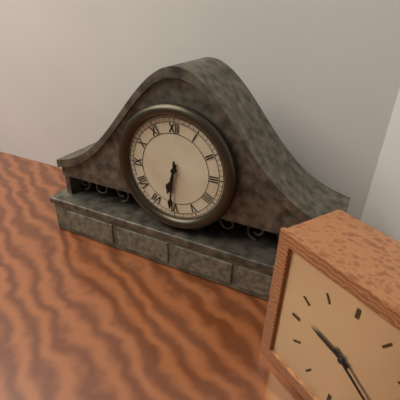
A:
6,31
